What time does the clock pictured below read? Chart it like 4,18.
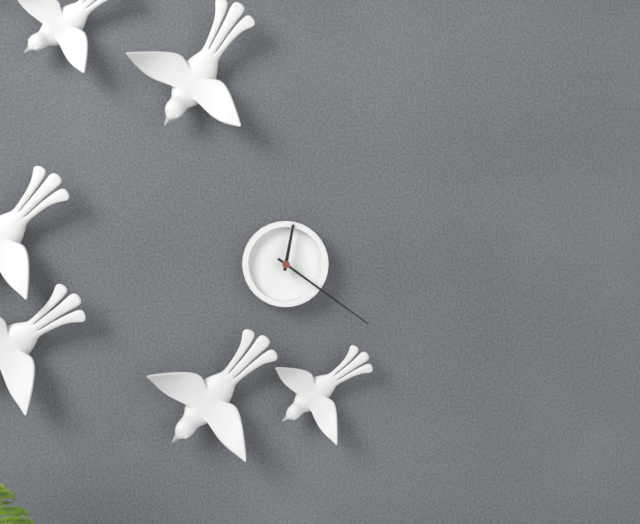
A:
12,21
